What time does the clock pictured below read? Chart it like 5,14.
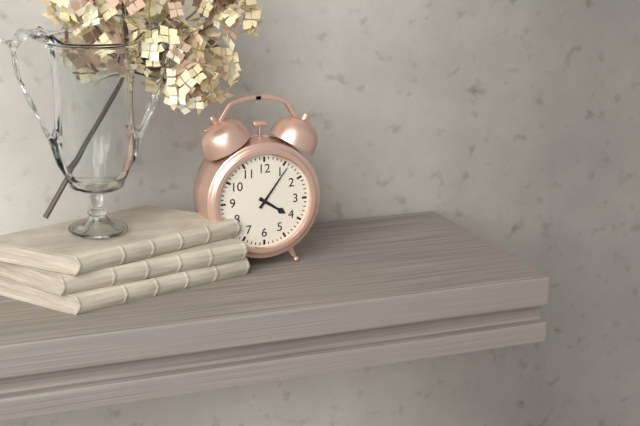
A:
4,06
